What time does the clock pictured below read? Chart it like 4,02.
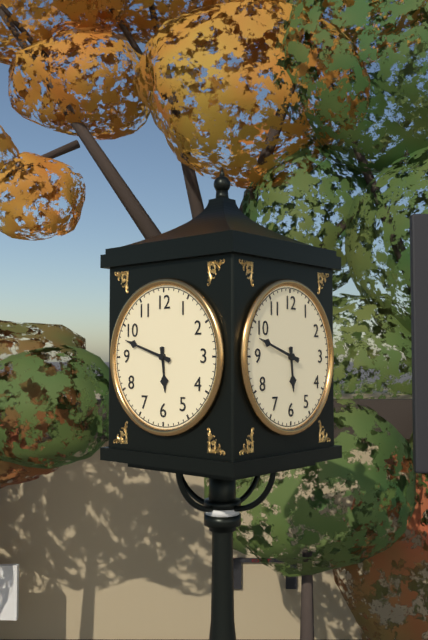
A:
5,48
